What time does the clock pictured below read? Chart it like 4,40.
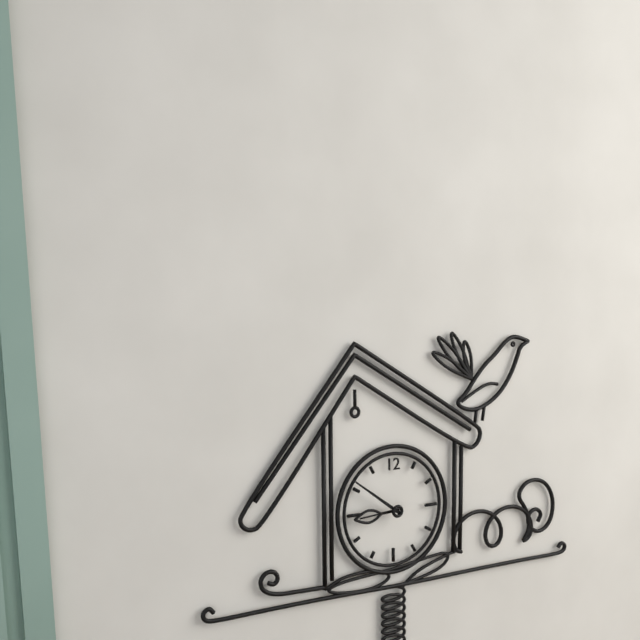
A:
8,51
